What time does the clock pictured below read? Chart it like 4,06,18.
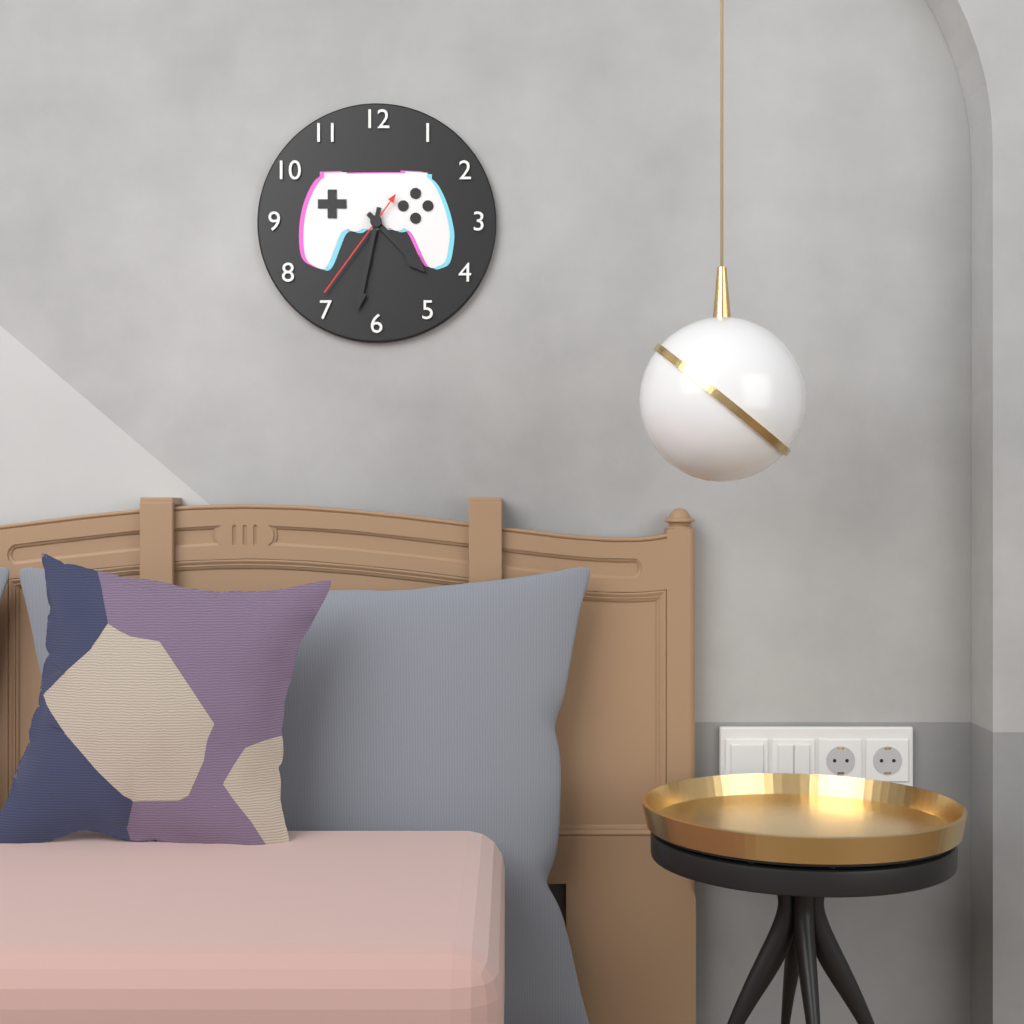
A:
4,32,36
